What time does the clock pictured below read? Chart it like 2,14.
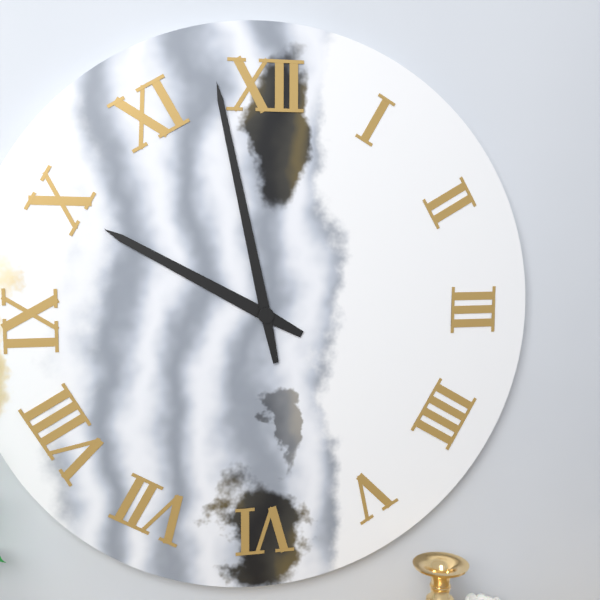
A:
9,58
